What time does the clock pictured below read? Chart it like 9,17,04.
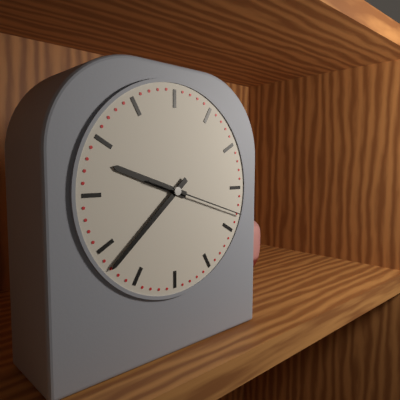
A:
9,38,18
